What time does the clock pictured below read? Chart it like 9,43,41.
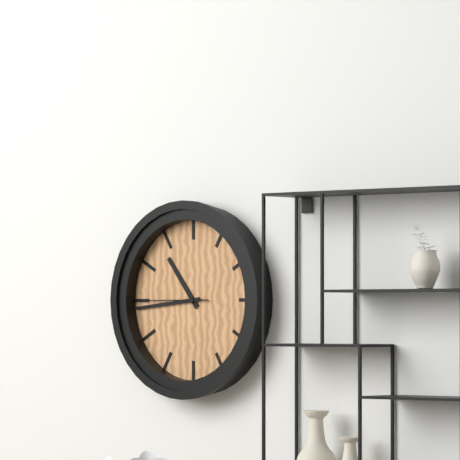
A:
10,44,45
